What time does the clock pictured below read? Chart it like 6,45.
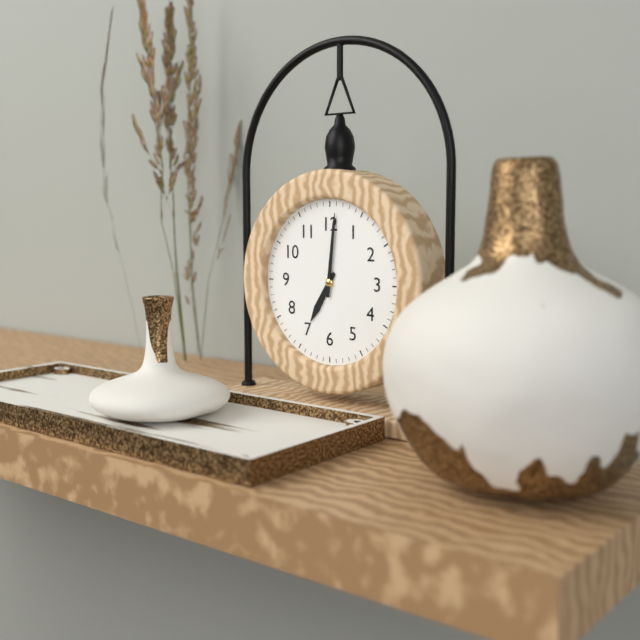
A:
7,01
